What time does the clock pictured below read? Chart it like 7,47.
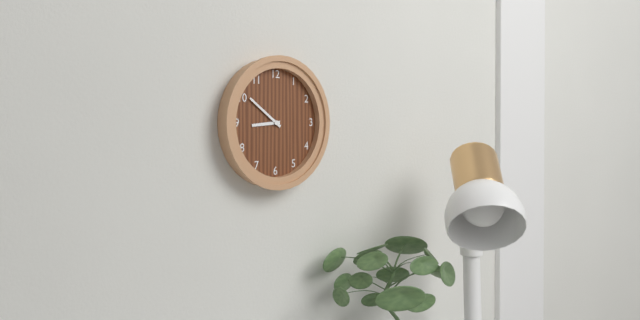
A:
8,51
